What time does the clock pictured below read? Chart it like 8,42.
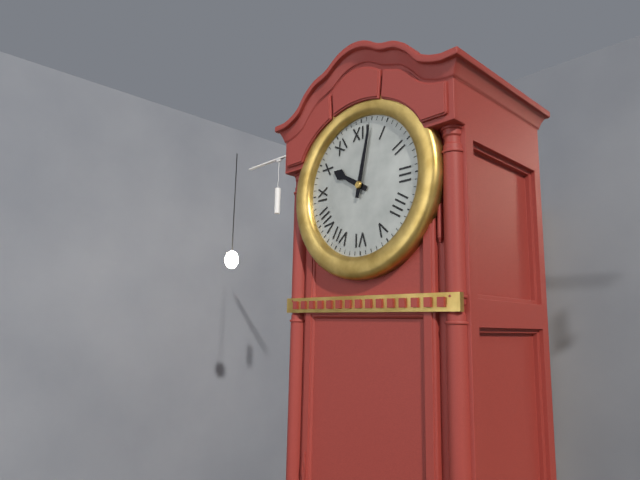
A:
10,02
